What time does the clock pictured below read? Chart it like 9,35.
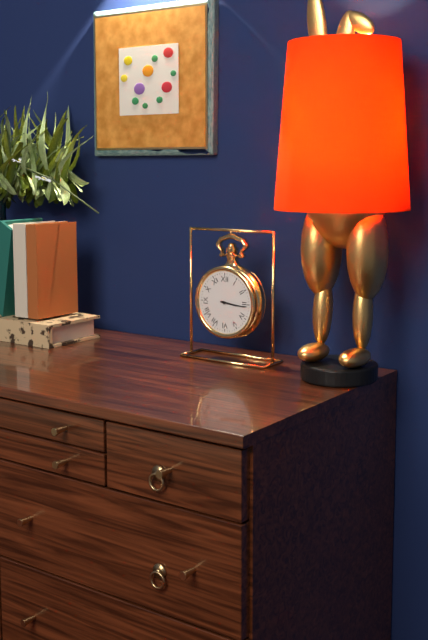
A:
3,16
